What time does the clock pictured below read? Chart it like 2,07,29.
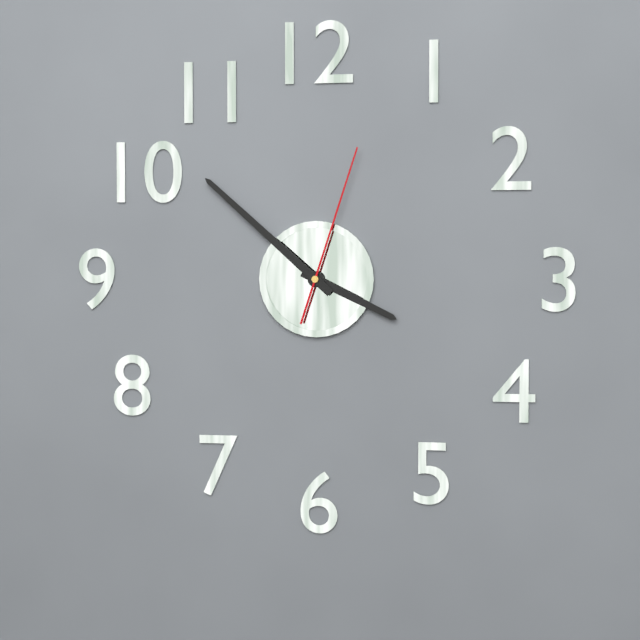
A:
3,52,03
